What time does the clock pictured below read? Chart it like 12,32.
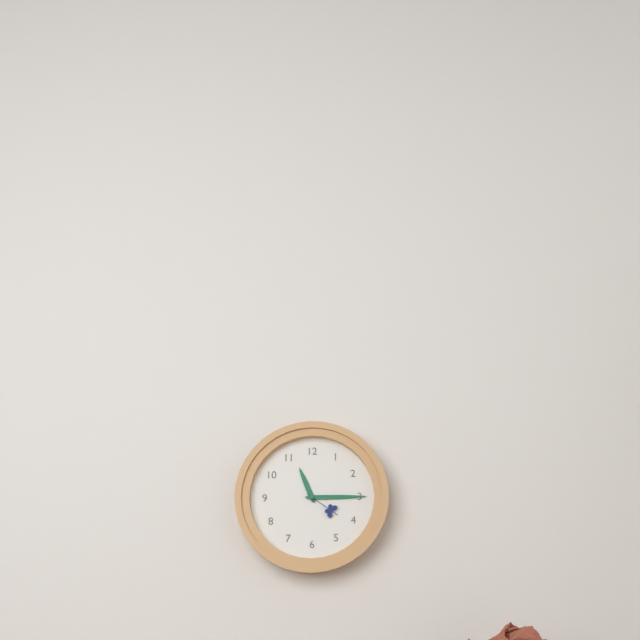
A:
11,15
